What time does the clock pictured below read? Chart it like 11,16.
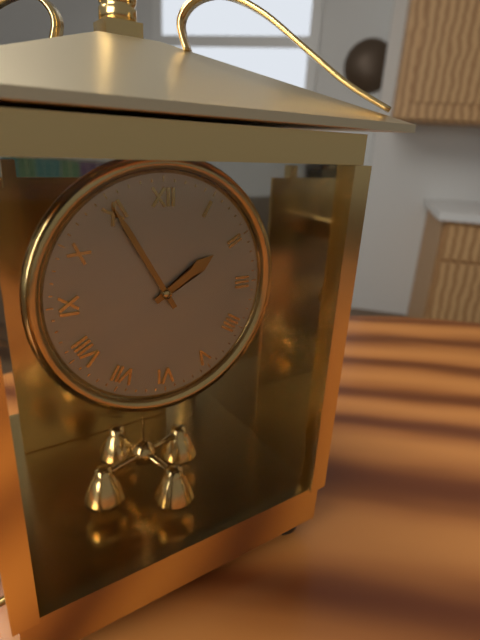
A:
1,55
